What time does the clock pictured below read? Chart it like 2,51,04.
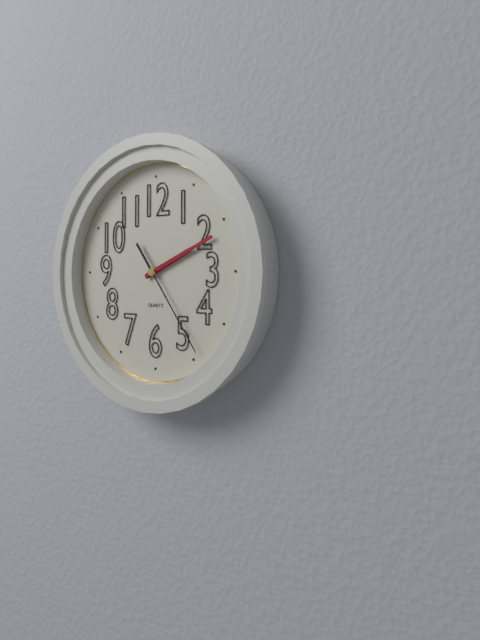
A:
2,11,24
